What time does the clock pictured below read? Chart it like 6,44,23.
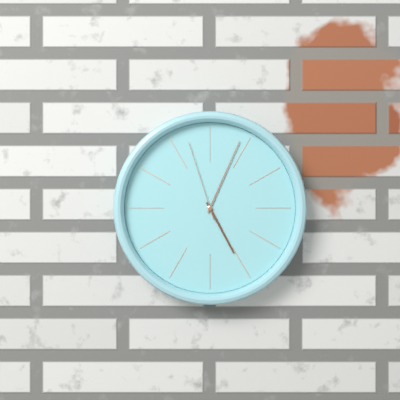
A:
5,04,57
